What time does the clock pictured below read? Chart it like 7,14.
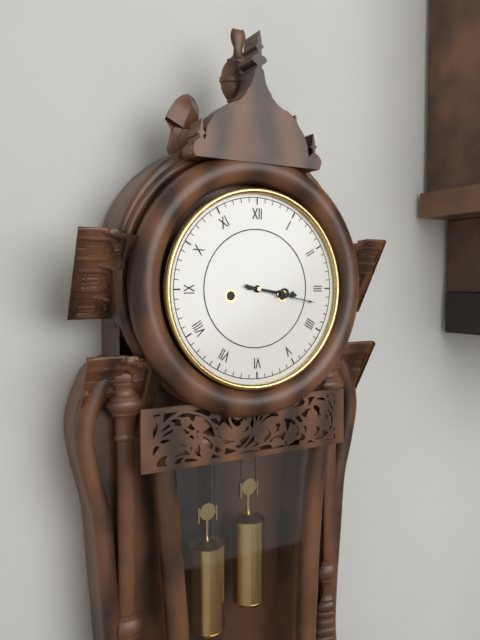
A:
3,17
